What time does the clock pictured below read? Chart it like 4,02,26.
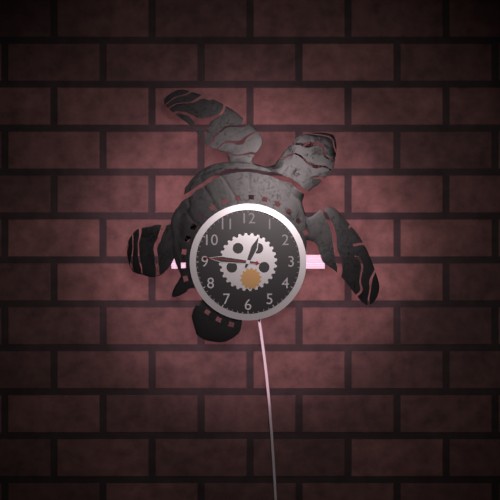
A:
12,46,46
